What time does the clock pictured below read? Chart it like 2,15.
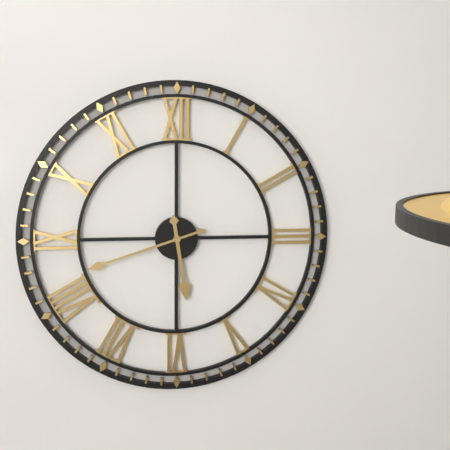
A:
5,42
